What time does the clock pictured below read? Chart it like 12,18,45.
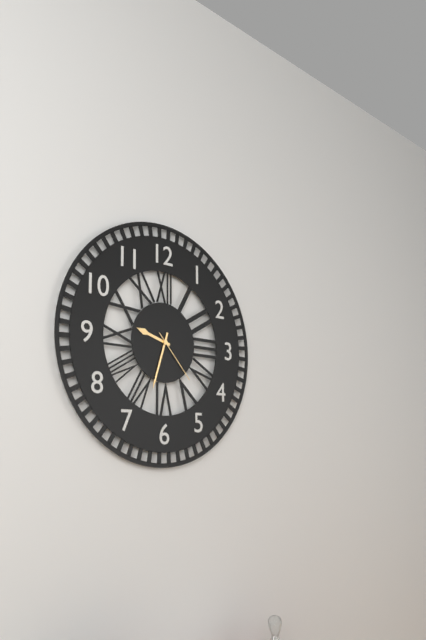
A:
9,33,23
